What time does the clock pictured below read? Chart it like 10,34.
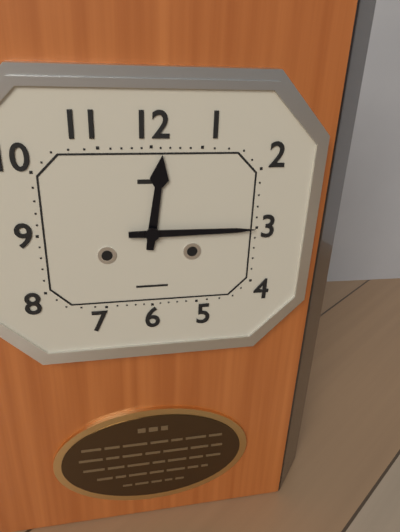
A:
12,15
